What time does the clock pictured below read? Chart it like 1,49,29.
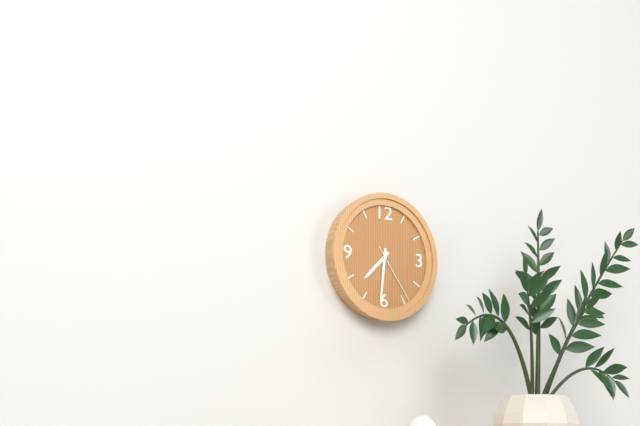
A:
7,31,24
